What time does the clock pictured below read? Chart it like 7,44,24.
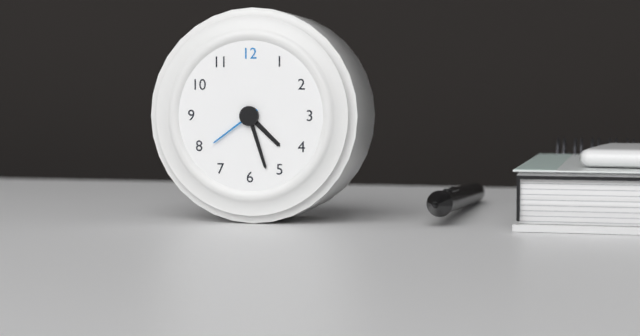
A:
4,27,39
